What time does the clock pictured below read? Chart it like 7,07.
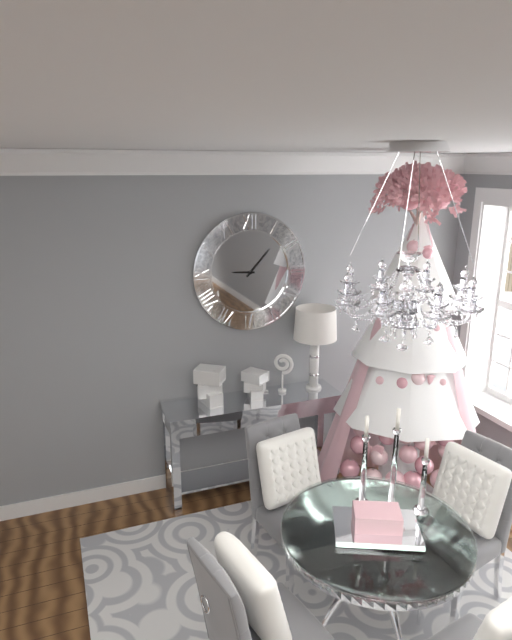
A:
9,07
